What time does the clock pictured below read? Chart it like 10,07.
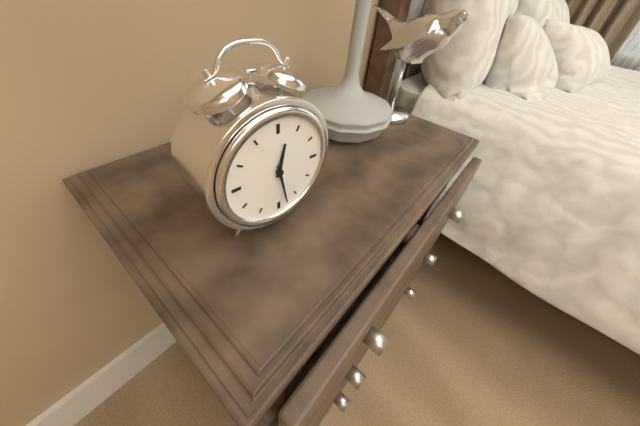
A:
12,28
